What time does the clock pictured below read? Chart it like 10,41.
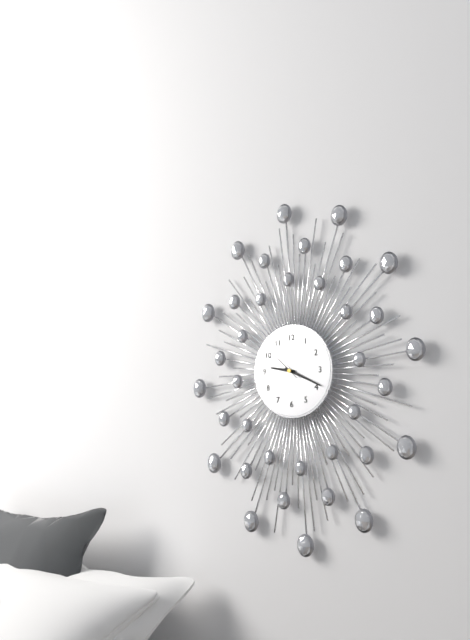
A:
9,19
